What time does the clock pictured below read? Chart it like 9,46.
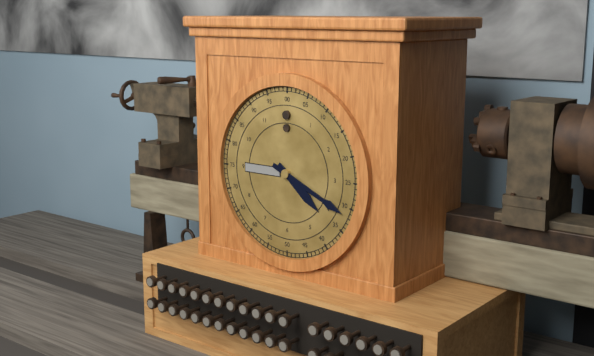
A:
4,19
